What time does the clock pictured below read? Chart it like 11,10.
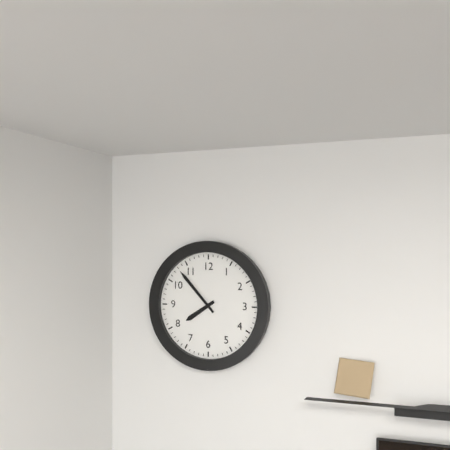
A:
7,53
